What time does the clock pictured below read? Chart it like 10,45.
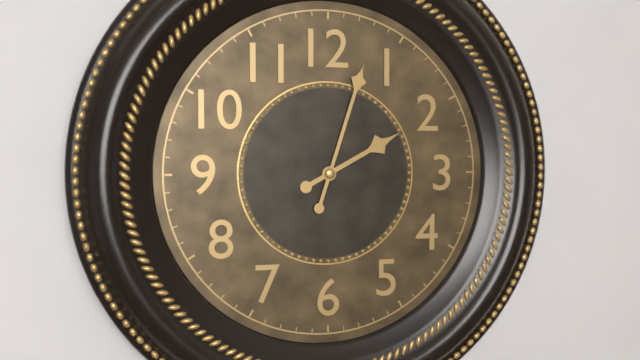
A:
2,03
